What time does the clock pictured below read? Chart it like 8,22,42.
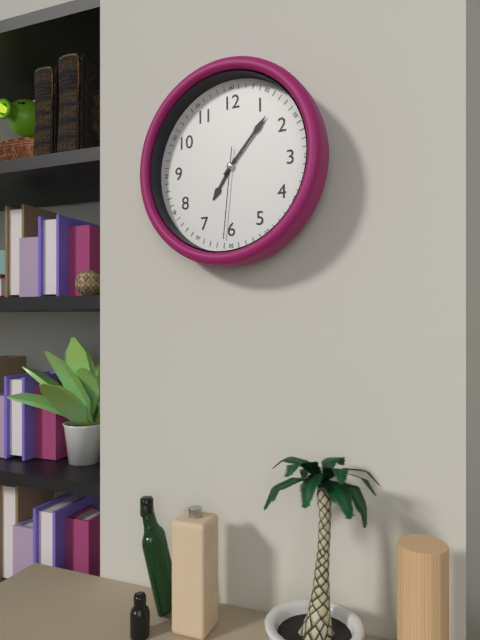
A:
7,07,31
